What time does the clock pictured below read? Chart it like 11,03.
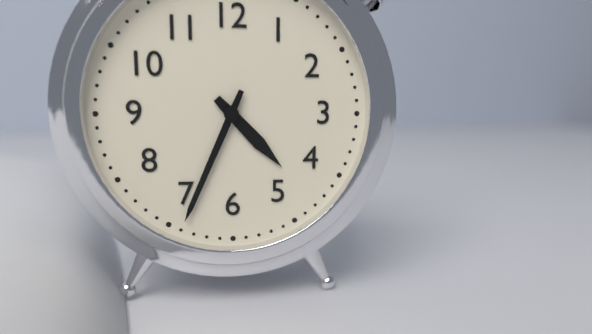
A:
4,34
